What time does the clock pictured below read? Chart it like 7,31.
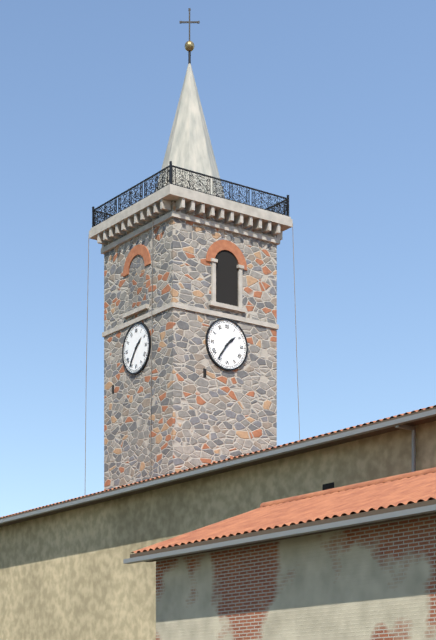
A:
1,36
